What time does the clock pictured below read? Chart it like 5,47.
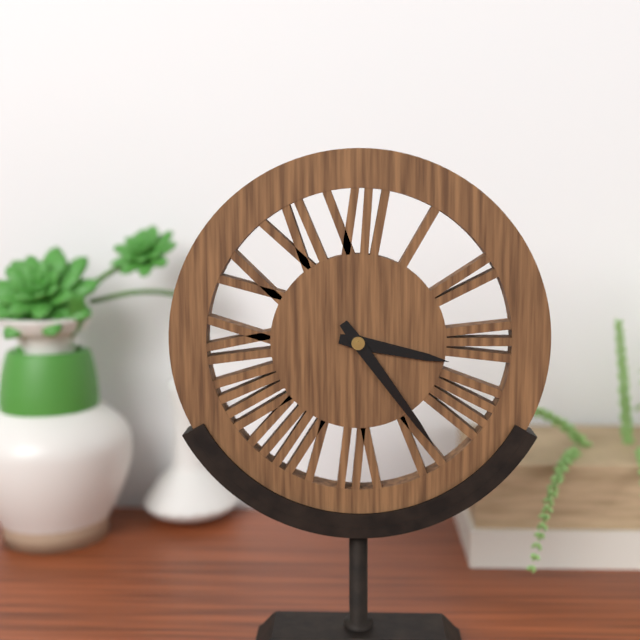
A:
3,24
